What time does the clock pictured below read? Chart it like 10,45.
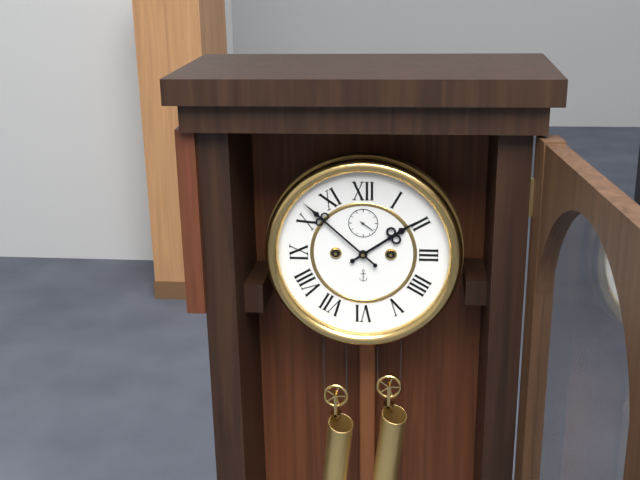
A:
1,52
